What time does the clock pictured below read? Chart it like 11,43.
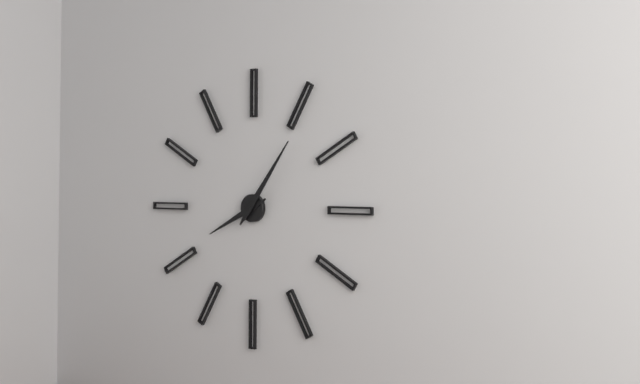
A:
8,06
